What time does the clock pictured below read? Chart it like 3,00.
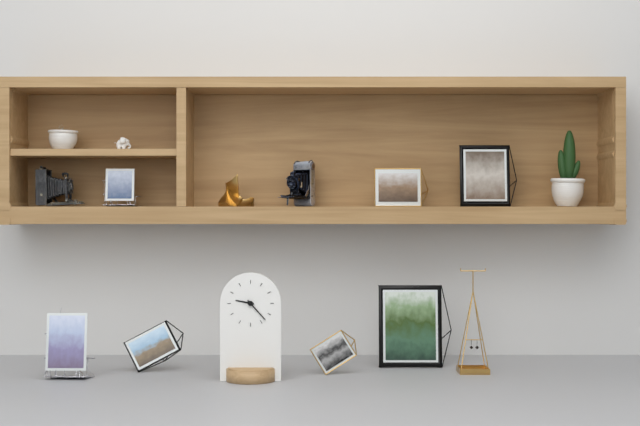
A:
9,23
